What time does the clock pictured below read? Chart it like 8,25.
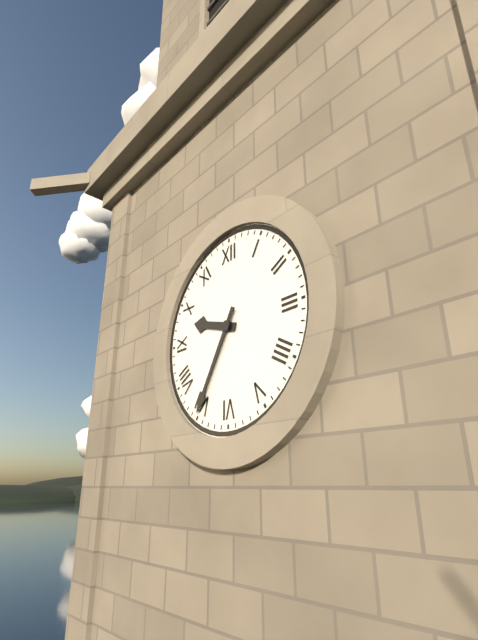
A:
9,35
